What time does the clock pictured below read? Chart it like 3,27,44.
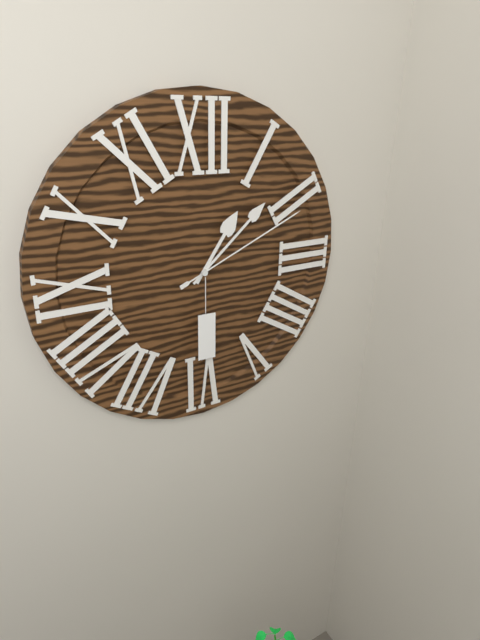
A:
1,08,11
